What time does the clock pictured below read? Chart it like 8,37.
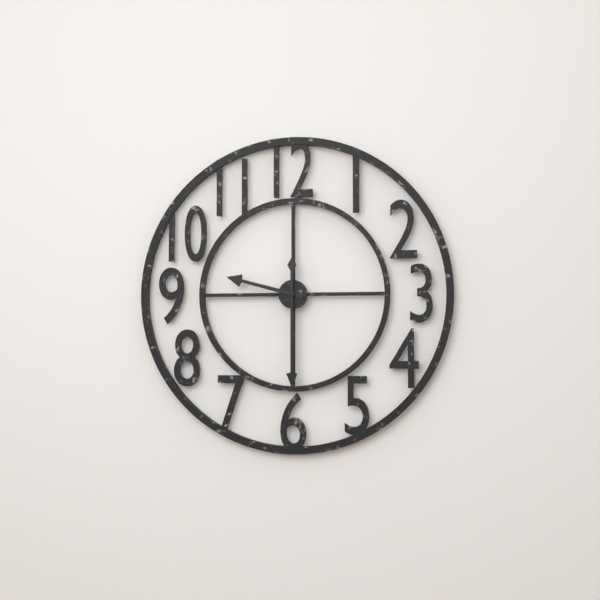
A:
9,30
